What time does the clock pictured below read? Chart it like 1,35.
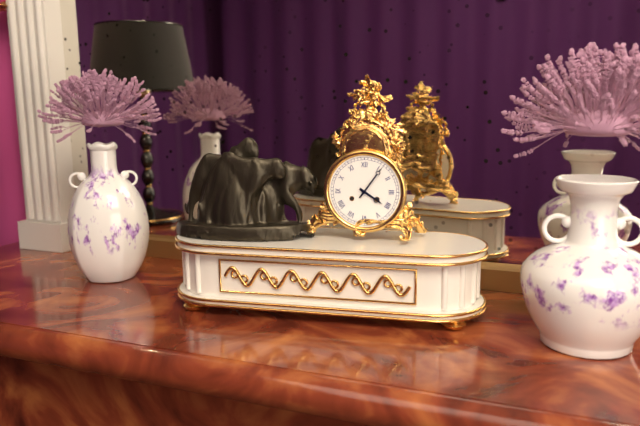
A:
4,06
